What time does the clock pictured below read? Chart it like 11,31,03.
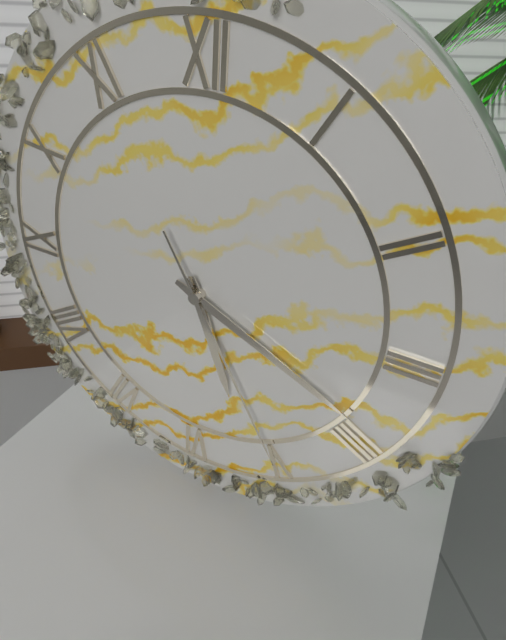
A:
5,19,25
